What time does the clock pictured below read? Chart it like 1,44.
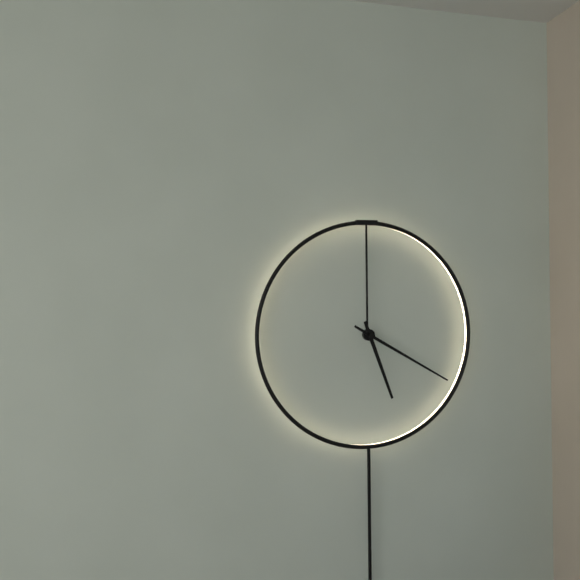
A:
5,20
